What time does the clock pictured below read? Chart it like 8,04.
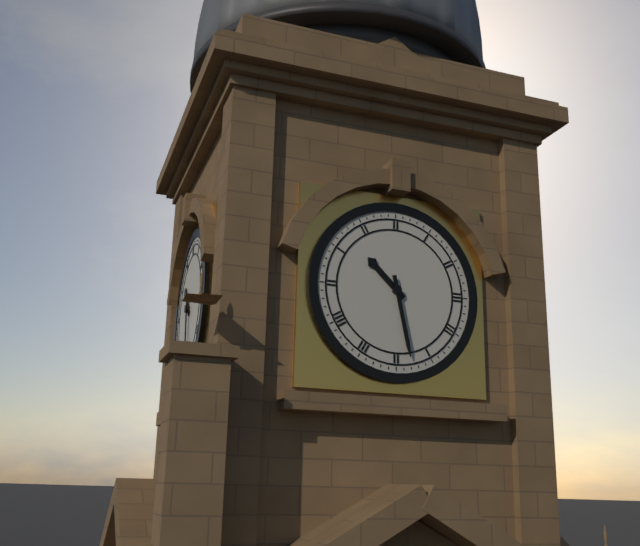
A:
10,28
